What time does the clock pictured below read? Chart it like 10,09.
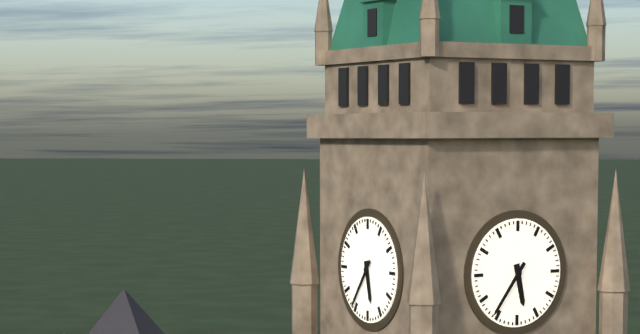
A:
5,36
